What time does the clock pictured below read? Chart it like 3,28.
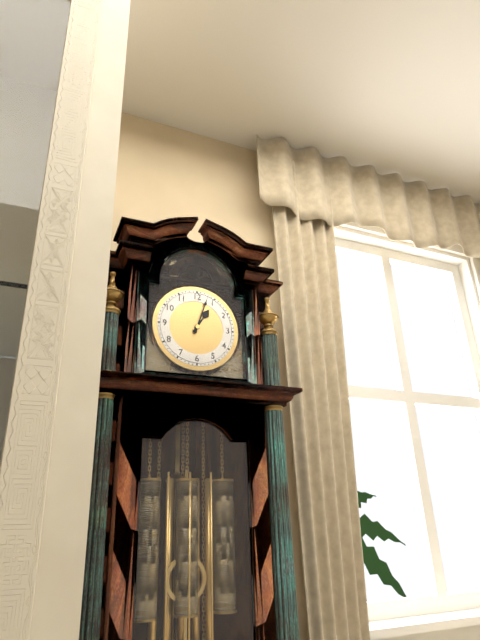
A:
1,03
